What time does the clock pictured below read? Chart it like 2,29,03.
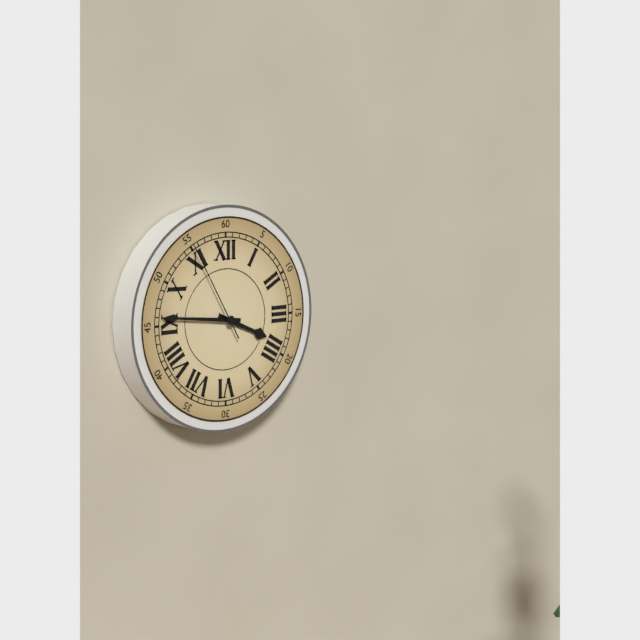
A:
3,46,55
